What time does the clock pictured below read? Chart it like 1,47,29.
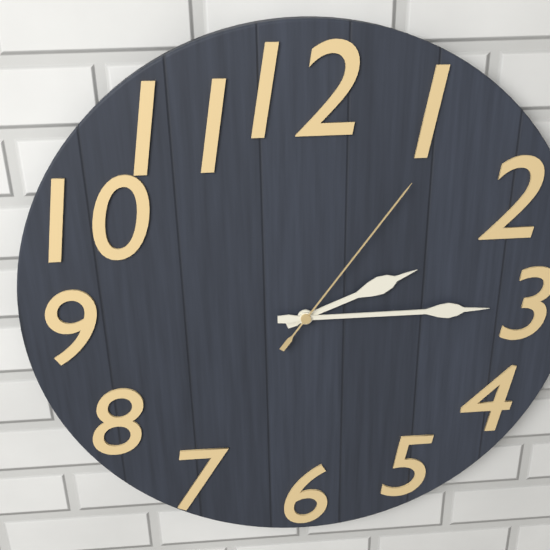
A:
2,15,06
